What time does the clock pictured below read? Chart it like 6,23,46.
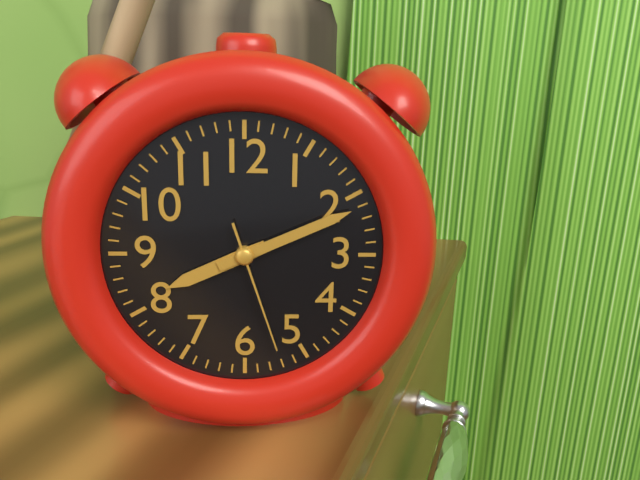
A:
8,11,27
